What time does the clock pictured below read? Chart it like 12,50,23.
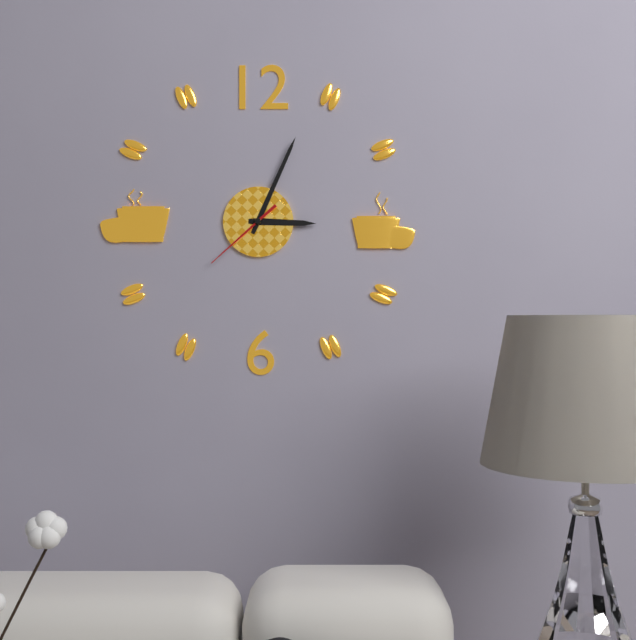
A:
3,04,38
